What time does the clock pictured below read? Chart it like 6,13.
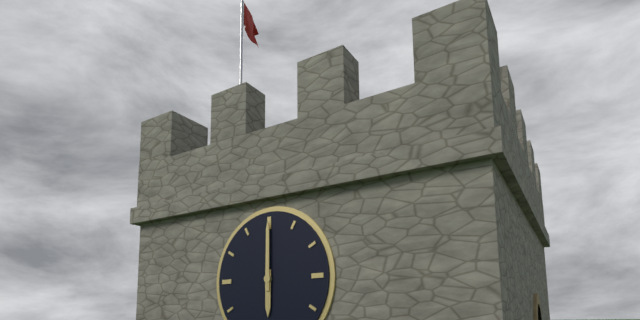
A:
6,00
